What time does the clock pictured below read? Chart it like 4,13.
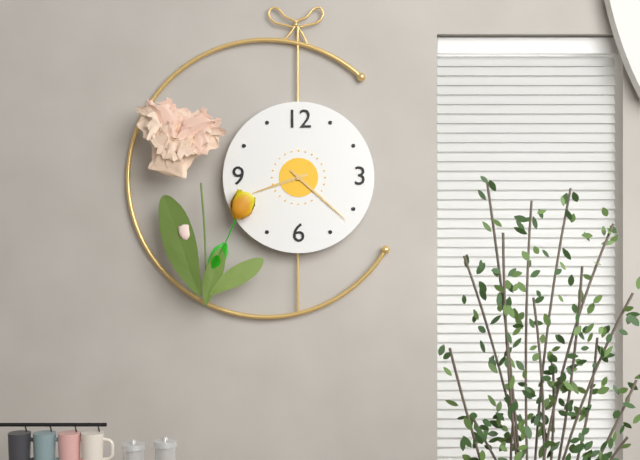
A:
8,22
